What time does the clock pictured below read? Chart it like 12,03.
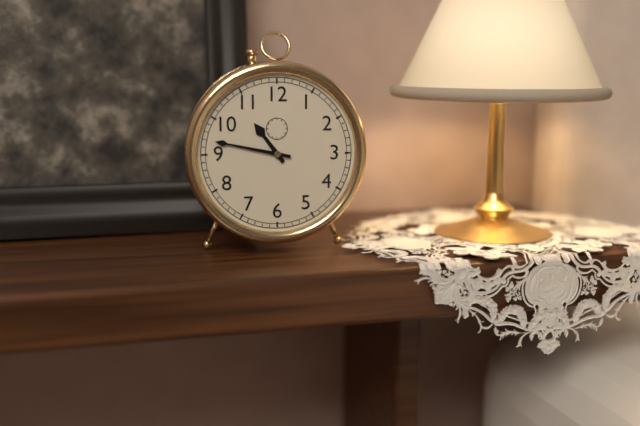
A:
10,47
